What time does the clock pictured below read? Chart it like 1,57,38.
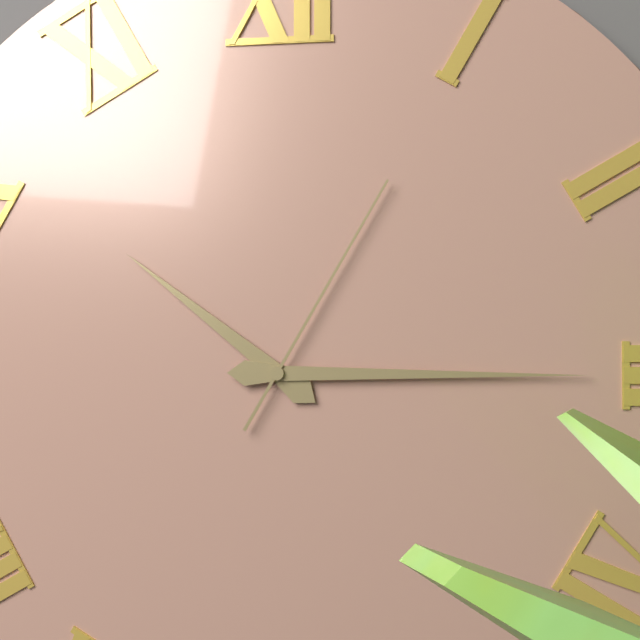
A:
10,15,05
